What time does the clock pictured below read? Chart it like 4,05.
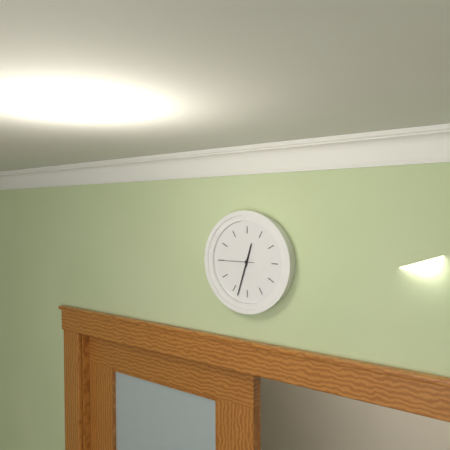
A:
12,33
